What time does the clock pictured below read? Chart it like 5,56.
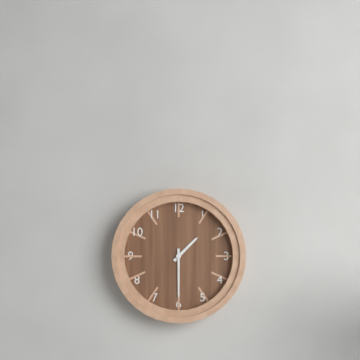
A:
1,30
